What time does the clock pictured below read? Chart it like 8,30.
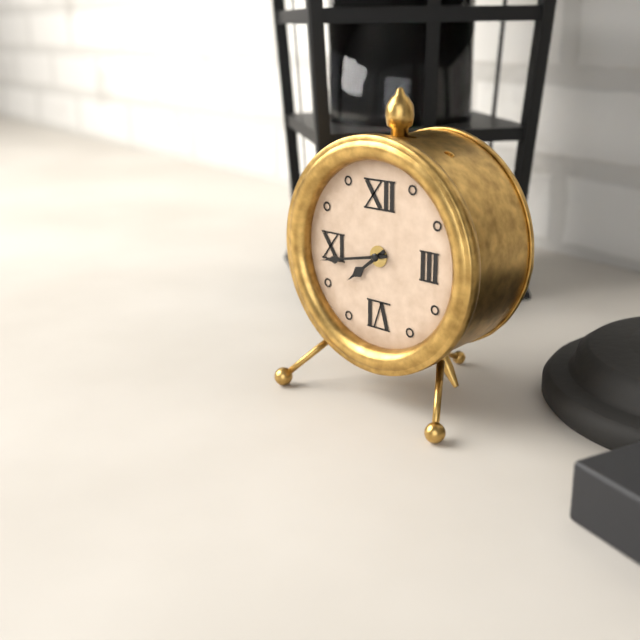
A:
7,43
